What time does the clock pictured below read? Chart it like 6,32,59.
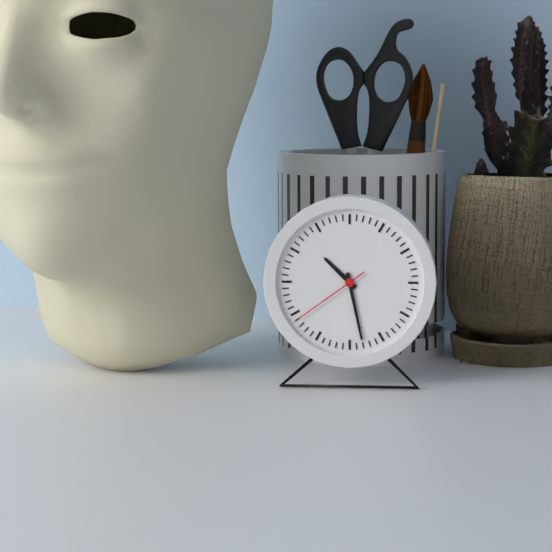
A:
10,28,39
